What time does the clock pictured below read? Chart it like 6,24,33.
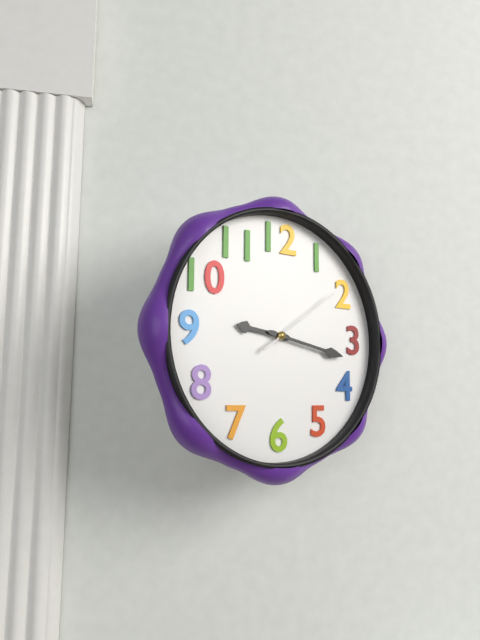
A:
9,17,09
